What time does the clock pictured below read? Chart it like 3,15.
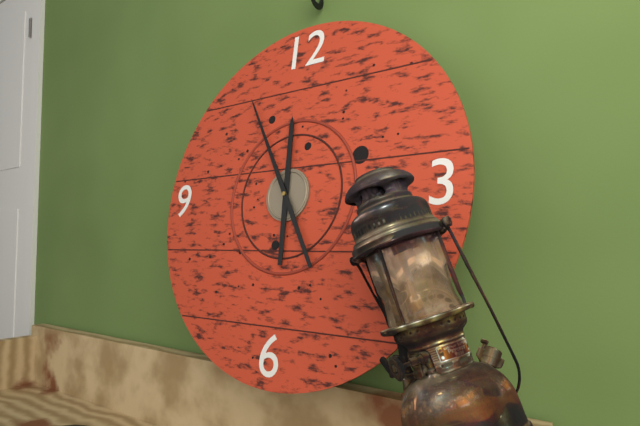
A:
11,55
